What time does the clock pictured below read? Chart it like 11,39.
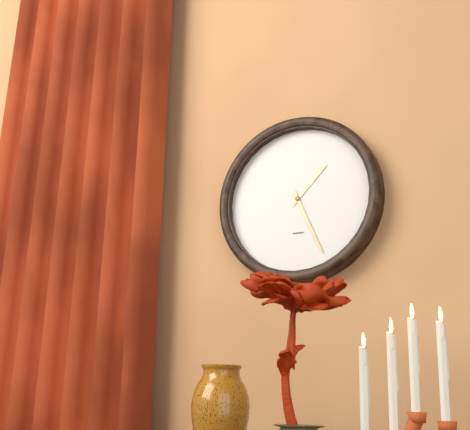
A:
1,26
